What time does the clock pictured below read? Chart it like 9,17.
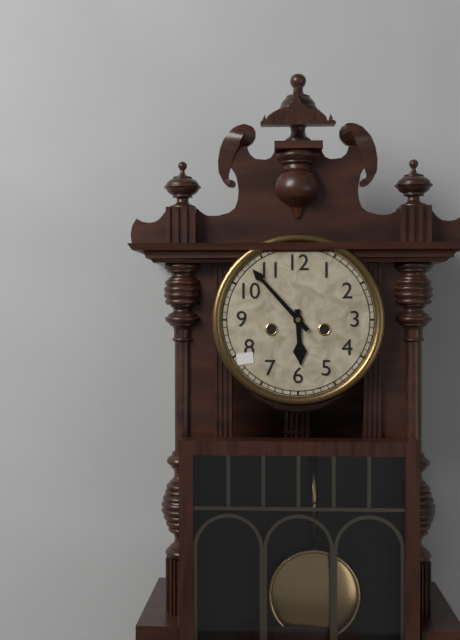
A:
5,53
